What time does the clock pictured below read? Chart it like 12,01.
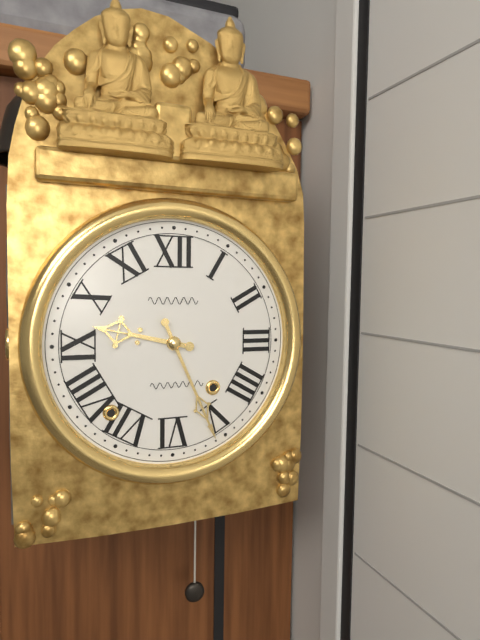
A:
9,26
